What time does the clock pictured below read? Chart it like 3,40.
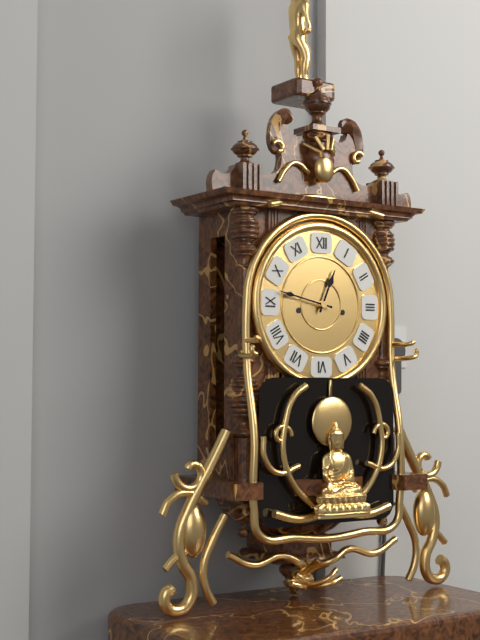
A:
12,47
